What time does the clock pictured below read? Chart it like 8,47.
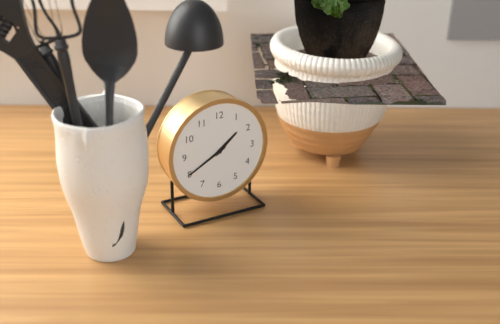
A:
1,40
